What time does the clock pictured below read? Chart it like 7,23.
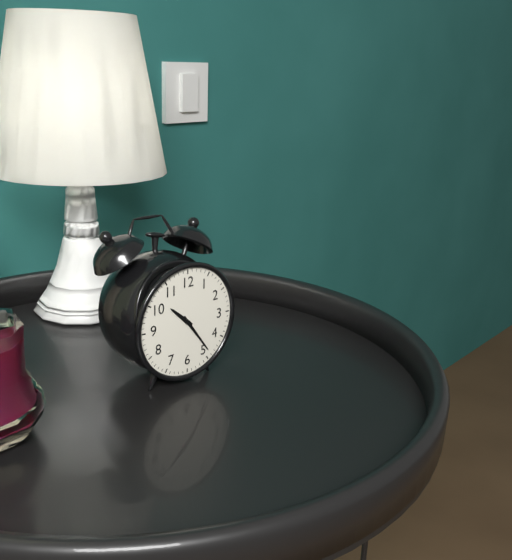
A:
10,24
